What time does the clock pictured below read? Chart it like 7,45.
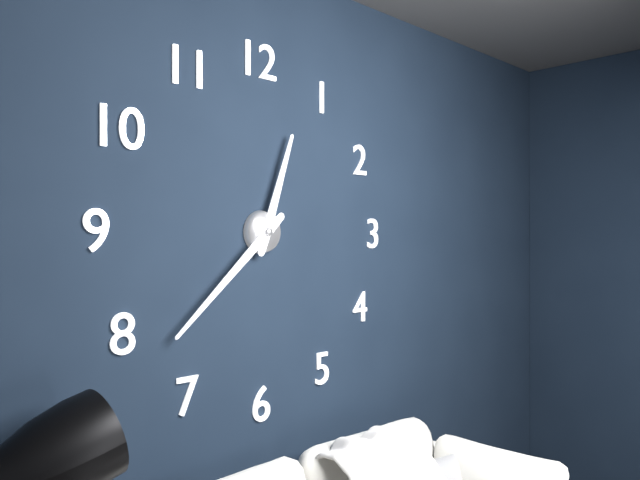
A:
12,38
